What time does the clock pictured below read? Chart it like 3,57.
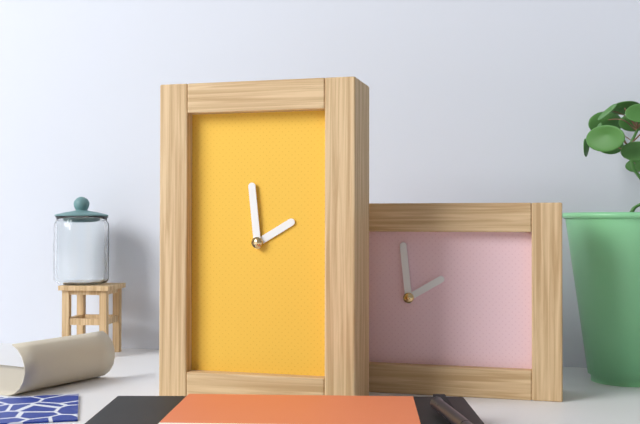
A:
1,59
